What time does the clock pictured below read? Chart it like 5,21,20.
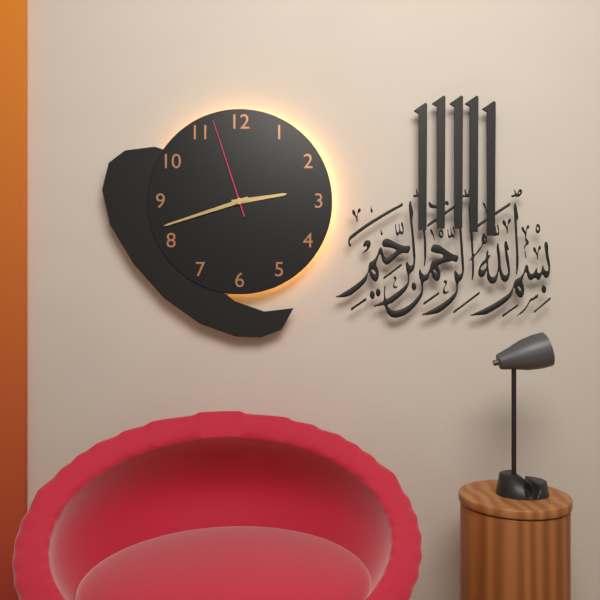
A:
2,42,57
